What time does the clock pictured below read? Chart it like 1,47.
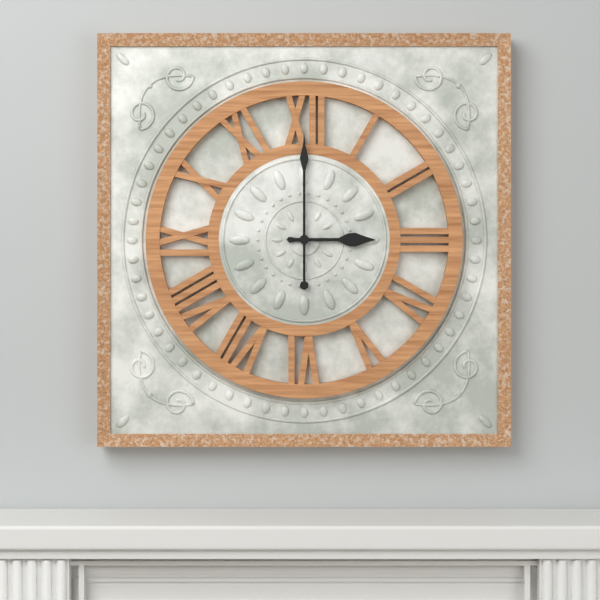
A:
3,00
